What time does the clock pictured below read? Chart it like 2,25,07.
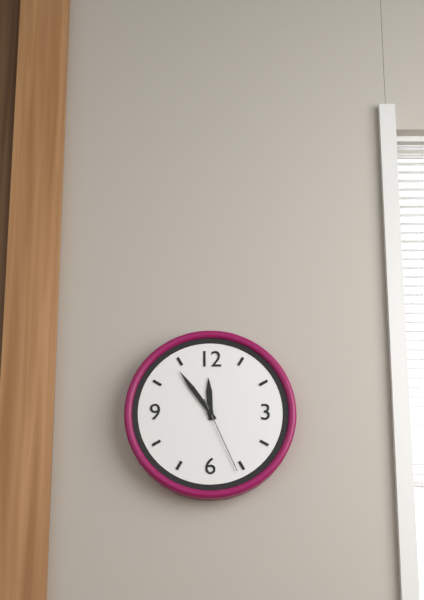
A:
11,54,26
